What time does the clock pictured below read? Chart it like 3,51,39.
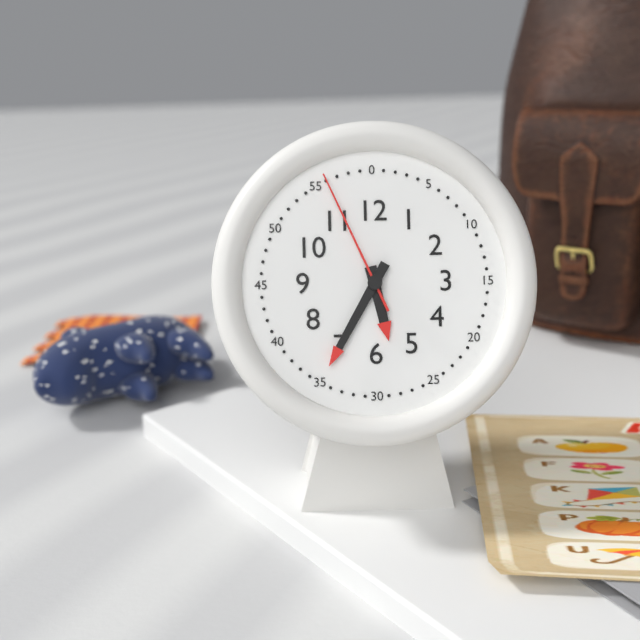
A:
5,35,56
